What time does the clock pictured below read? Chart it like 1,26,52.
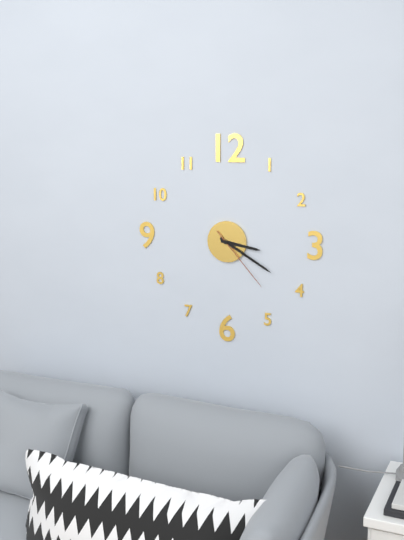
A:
3,20,23
